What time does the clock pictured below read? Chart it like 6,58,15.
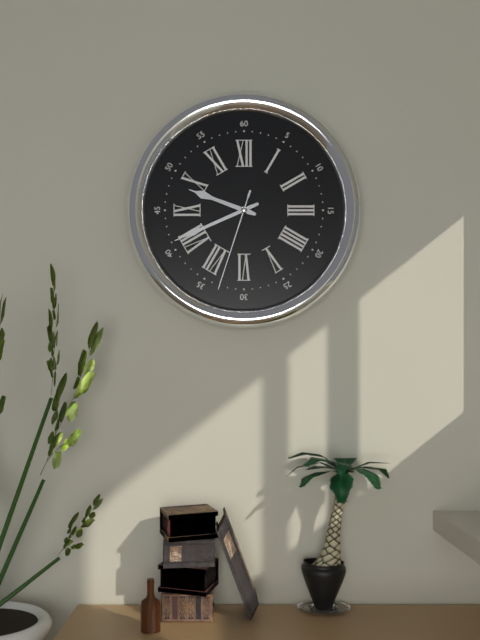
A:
9,41,33
